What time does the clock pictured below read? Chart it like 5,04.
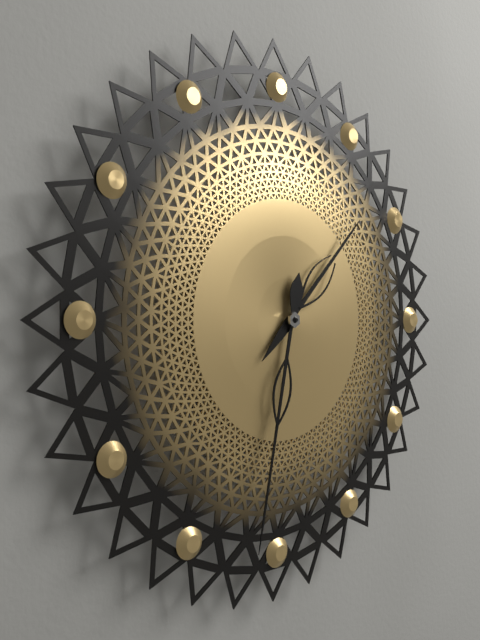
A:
1,32
